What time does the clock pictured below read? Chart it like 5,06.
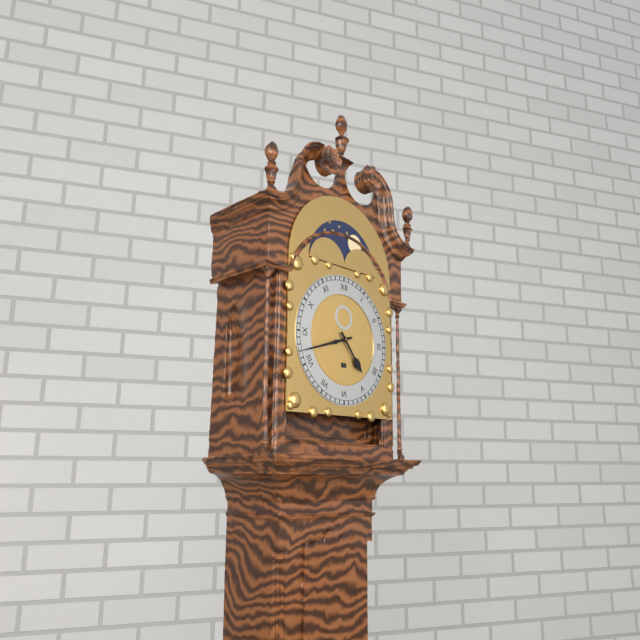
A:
4,42
